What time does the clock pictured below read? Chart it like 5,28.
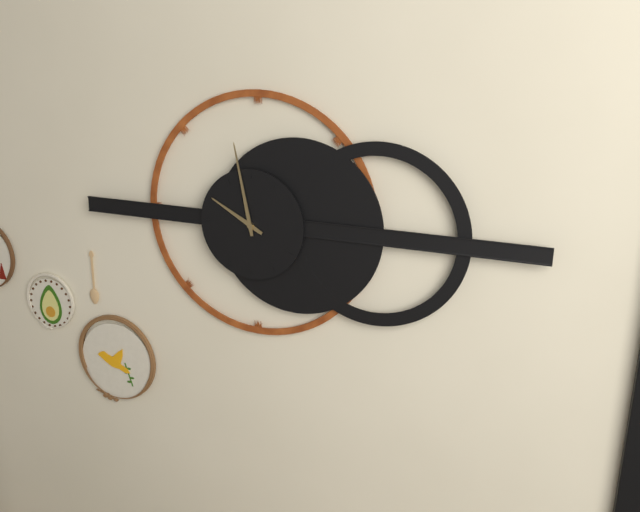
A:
9,58
